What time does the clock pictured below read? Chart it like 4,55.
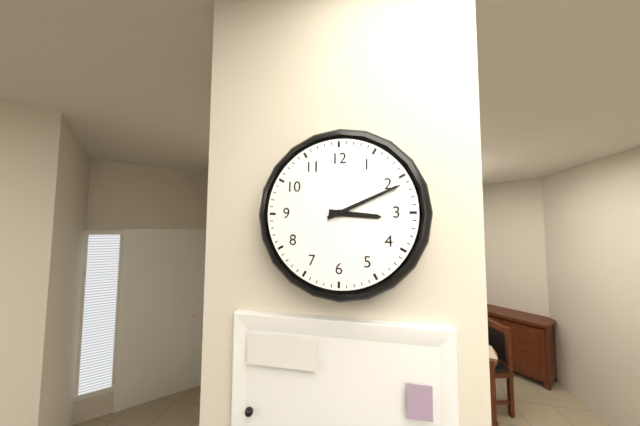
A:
3,11
